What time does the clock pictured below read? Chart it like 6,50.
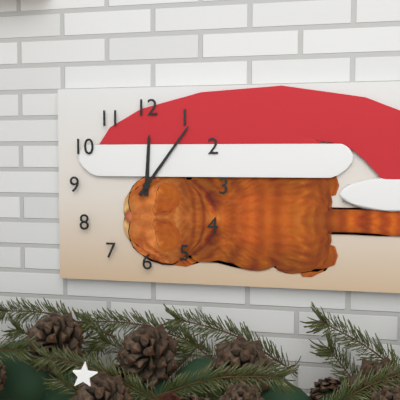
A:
12,06
